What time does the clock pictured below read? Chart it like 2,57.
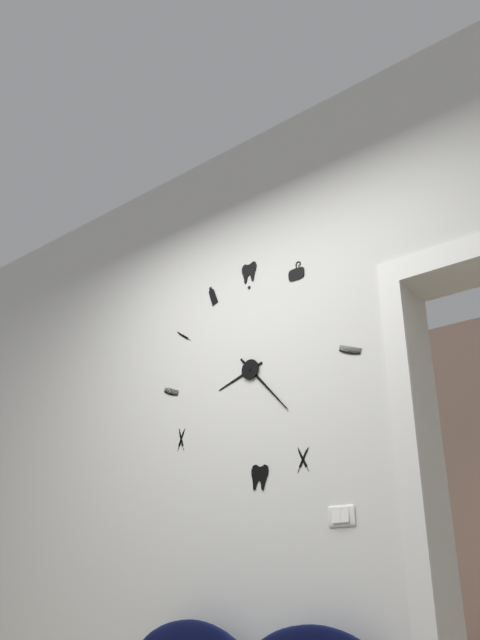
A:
8,23
